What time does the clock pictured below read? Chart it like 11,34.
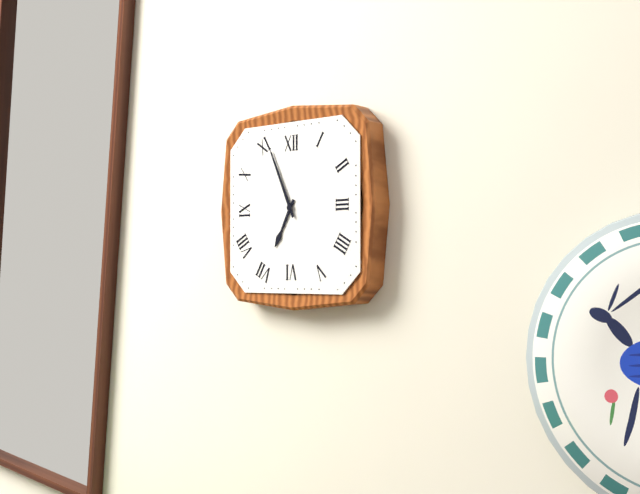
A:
6,56
